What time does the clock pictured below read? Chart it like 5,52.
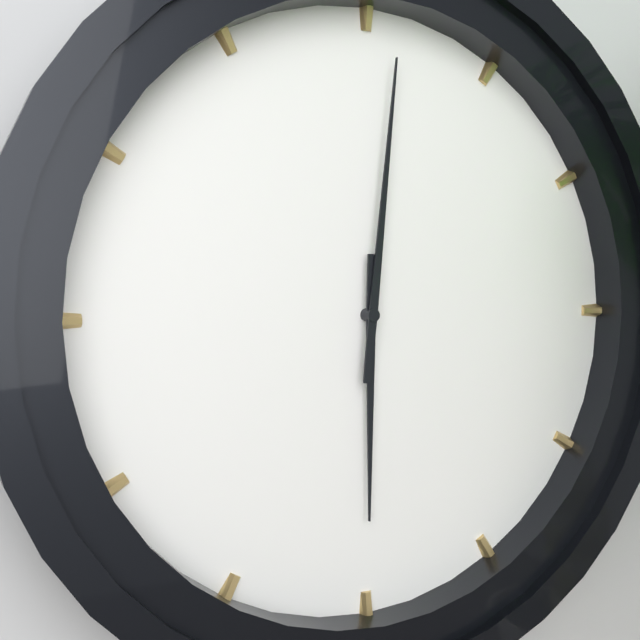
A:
6,01
